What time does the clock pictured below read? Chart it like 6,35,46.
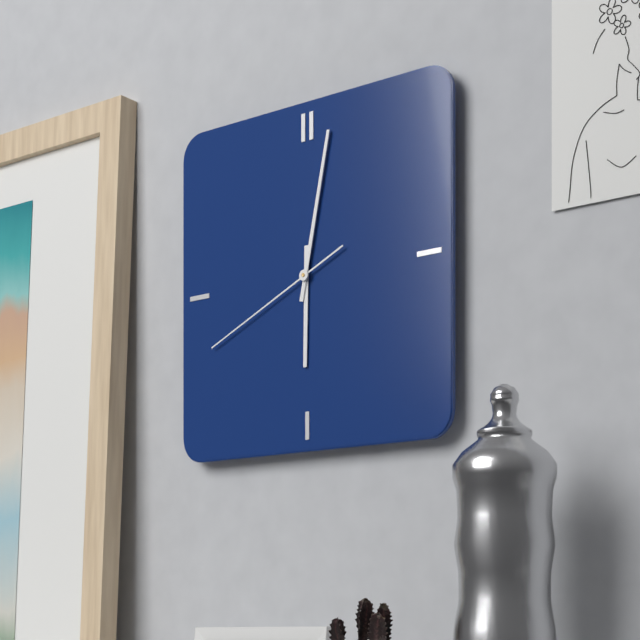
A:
6,02,41
